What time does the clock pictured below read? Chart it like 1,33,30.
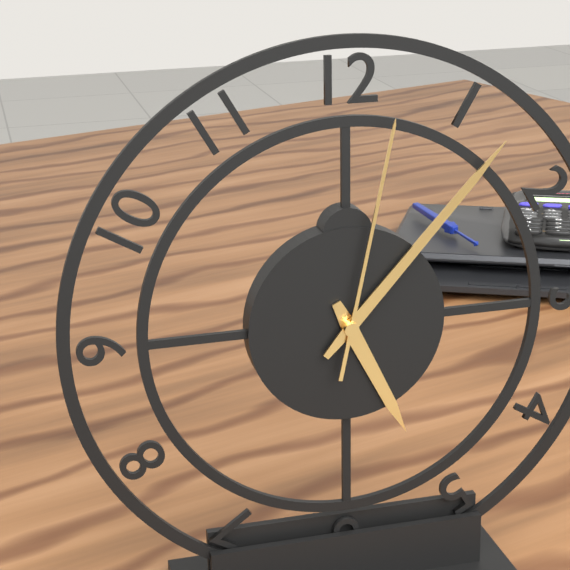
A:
5,07,02
